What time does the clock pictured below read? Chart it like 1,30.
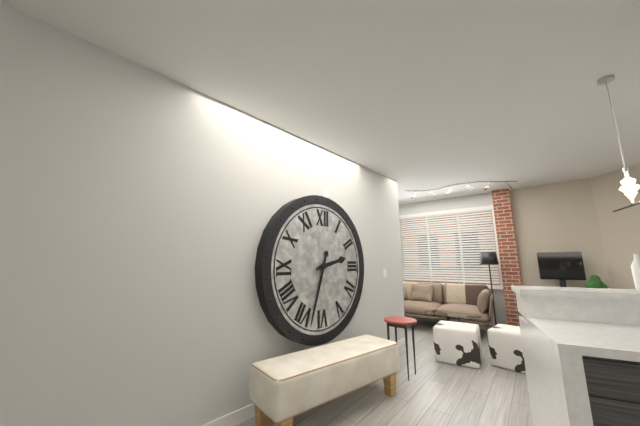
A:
2,33
